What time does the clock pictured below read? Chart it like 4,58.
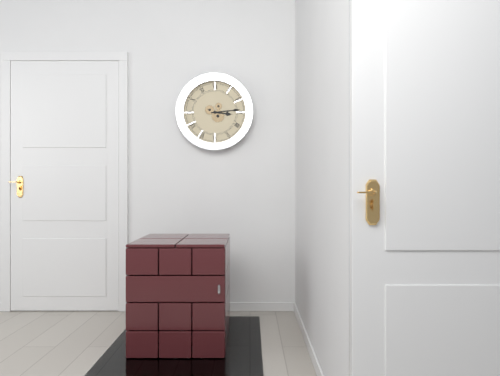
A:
3,14
